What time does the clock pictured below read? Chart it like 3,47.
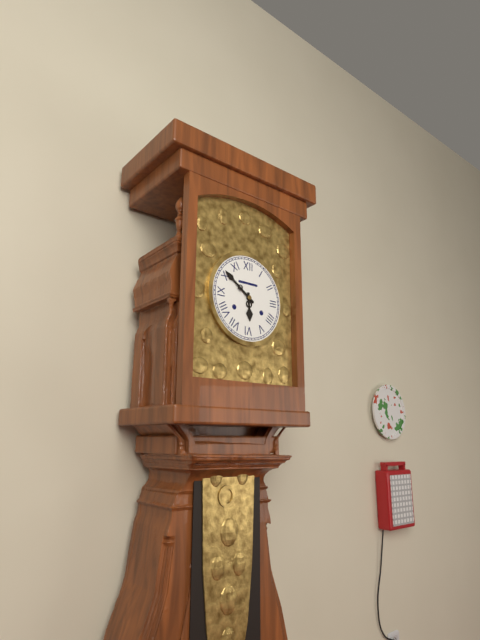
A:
5,51
